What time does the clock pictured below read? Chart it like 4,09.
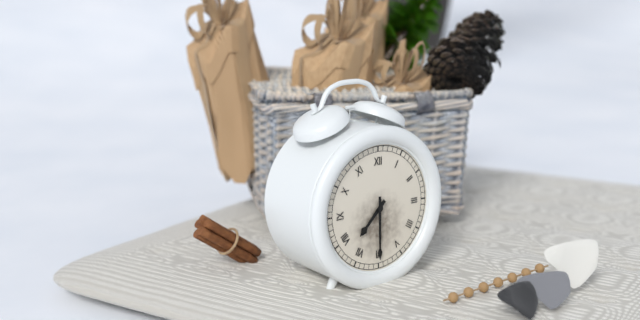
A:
7,30
